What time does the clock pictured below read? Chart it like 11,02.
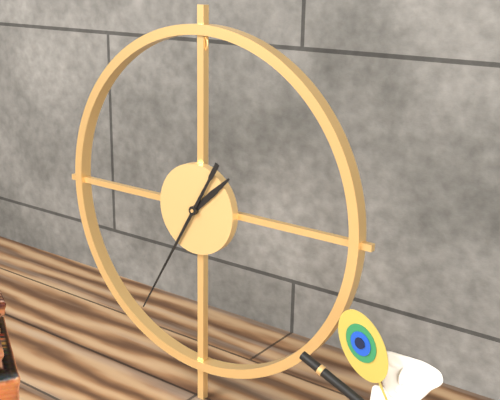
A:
1,35
